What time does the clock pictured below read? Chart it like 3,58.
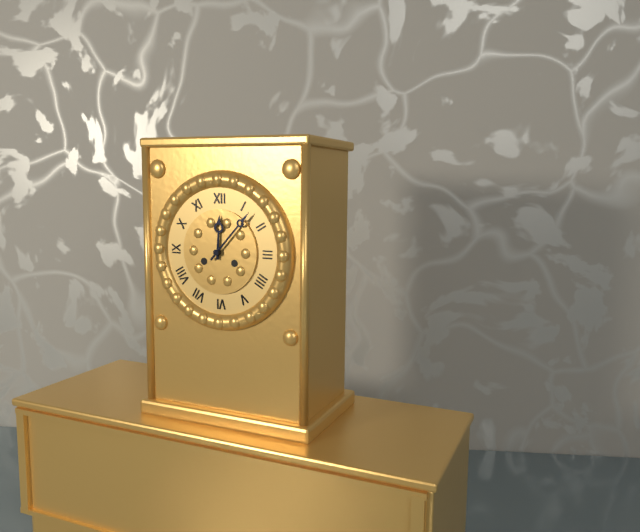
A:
12,07
